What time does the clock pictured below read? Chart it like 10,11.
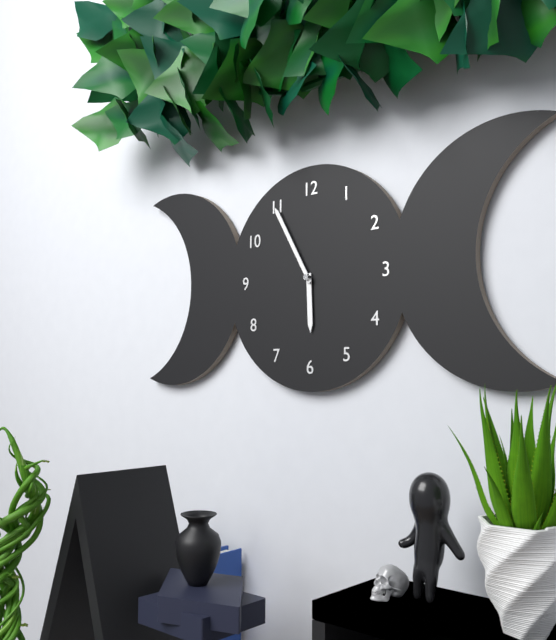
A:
5,55
